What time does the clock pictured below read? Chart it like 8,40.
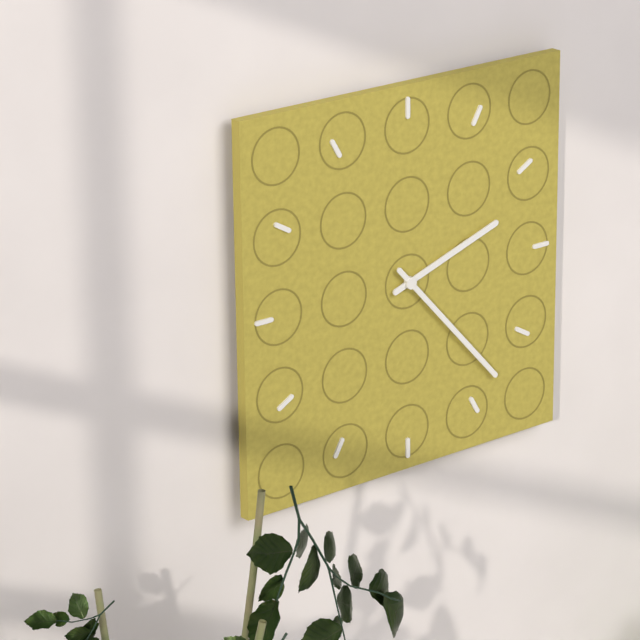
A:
2,23
